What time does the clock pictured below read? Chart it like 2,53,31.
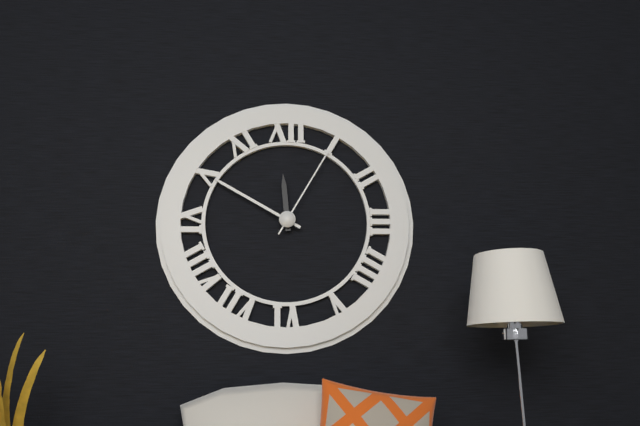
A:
11,50,05
